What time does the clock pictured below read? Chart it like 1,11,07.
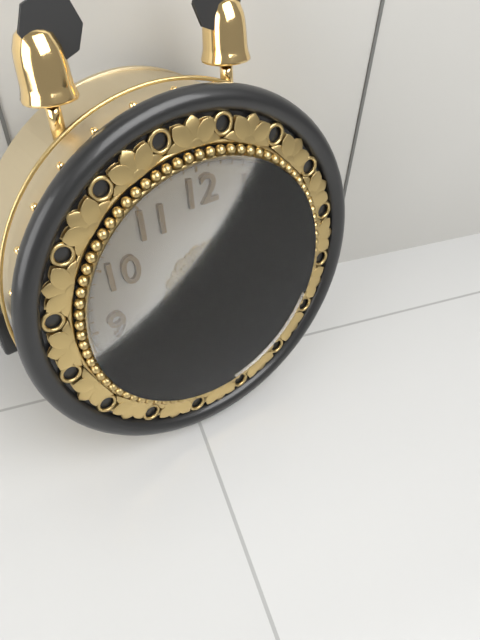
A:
5,37,14
